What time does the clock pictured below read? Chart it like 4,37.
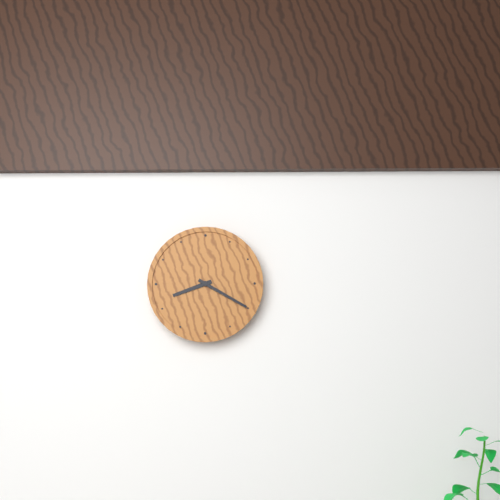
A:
8,20
